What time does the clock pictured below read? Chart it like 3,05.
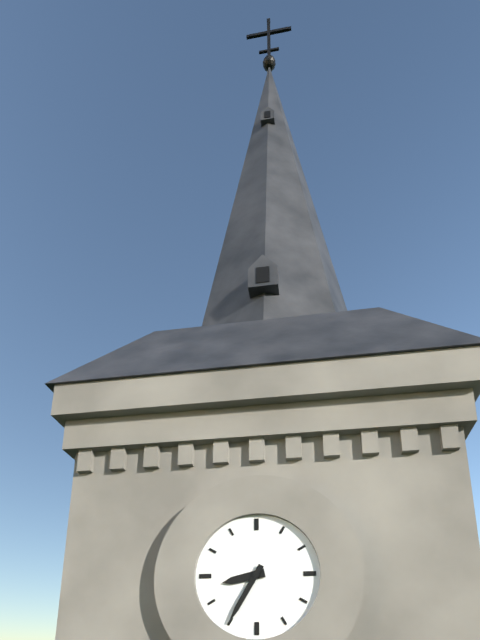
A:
8,35
